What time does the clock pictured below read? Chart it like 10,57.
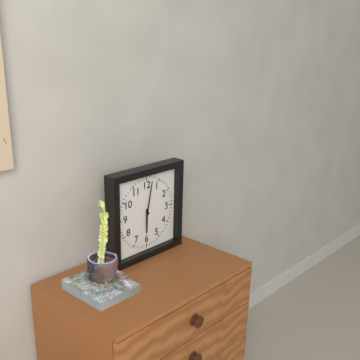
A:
6,02
